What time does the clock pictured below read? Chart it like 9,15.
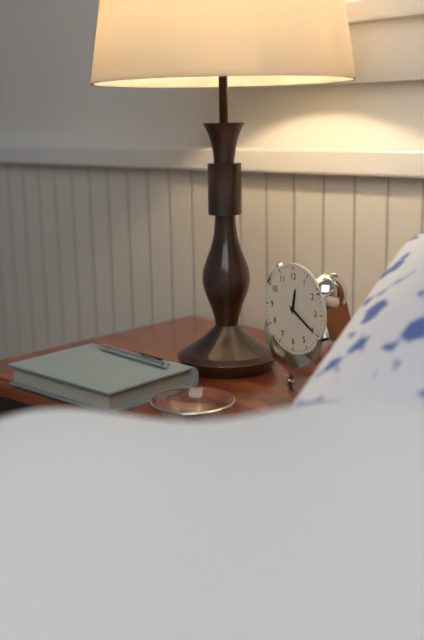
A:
12,20
